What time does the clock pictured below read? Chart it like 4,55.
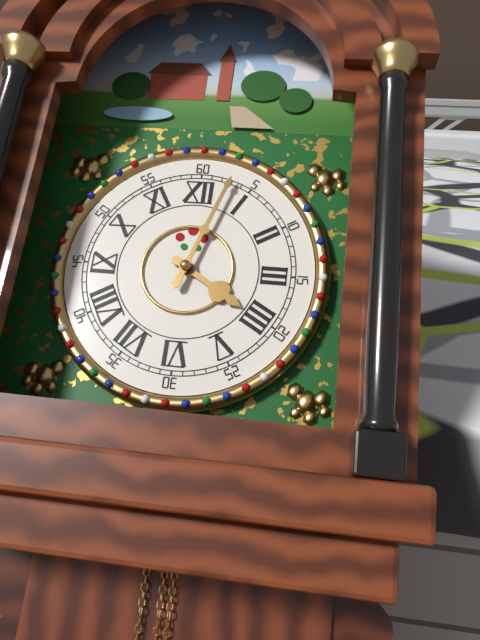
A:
4,03
